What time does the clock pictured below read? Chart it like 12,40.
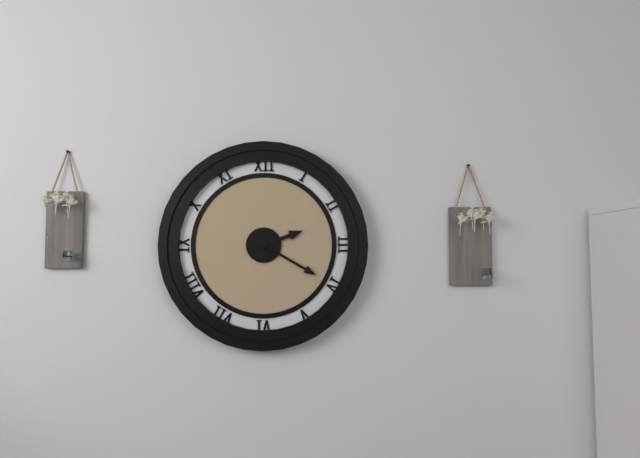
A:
2,20
